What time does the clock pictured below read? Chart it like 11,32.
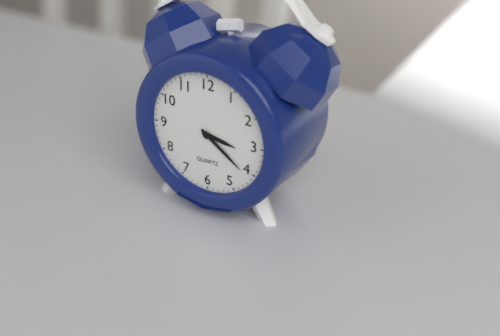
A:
3,21
